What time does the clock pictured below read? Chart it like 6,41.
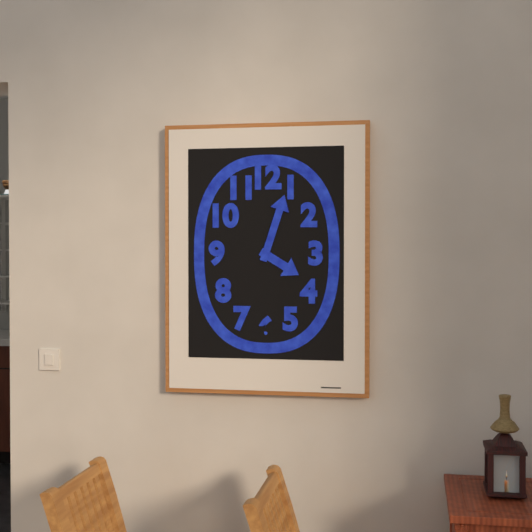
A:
4,03
